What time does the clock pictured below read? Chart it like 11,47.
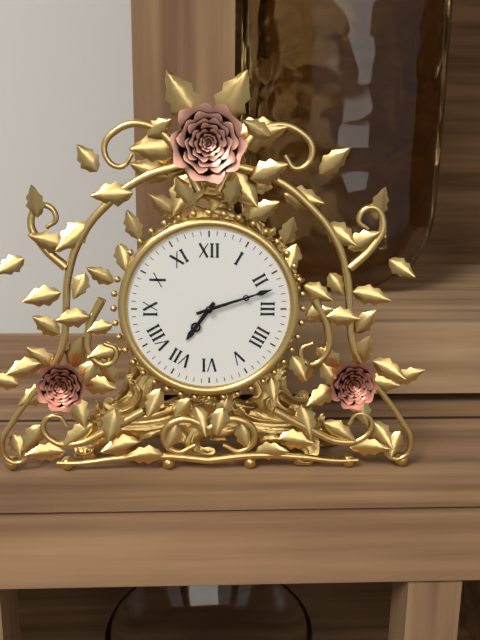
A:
7,12
